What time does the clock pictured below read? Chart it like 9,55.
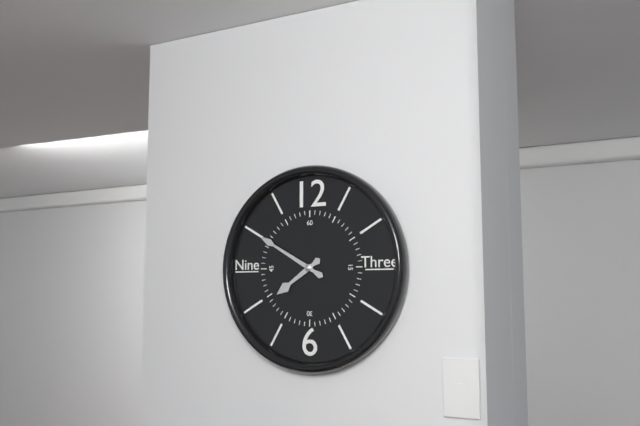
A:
7,50
